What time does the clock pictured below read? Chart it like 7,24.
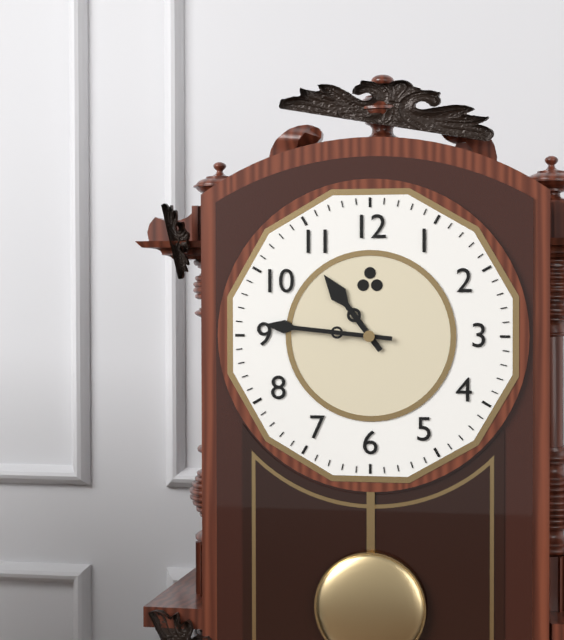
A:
10,46
